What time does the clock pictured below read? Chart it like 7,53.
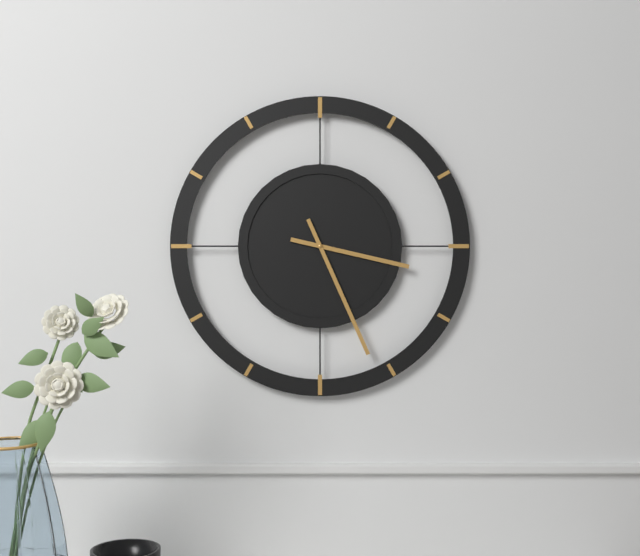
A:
3,26
